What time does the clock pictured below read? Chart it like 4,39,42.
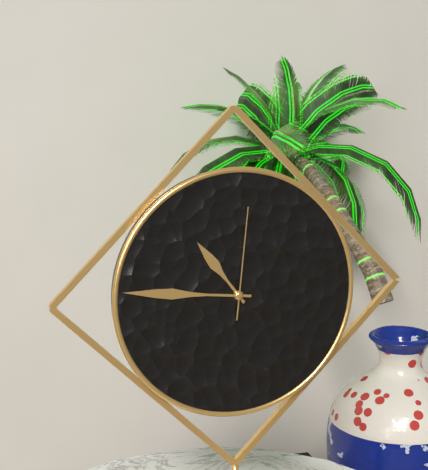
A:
10,46,01
